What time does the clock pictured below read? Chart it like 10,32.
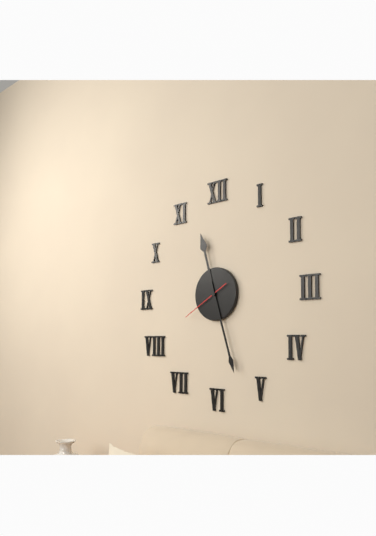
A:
11,27
